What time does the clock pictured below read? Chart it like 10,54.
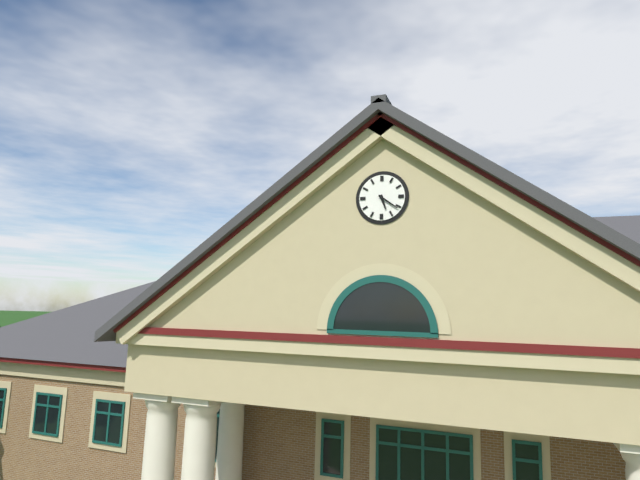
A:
5,21
